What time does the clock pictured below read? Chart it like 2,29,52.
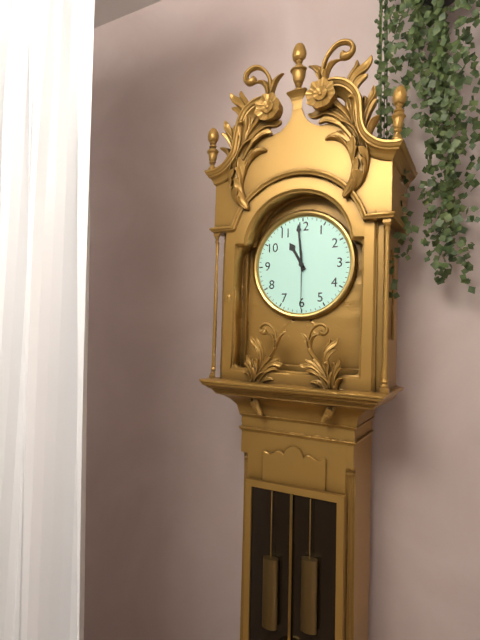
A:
10,59,30
